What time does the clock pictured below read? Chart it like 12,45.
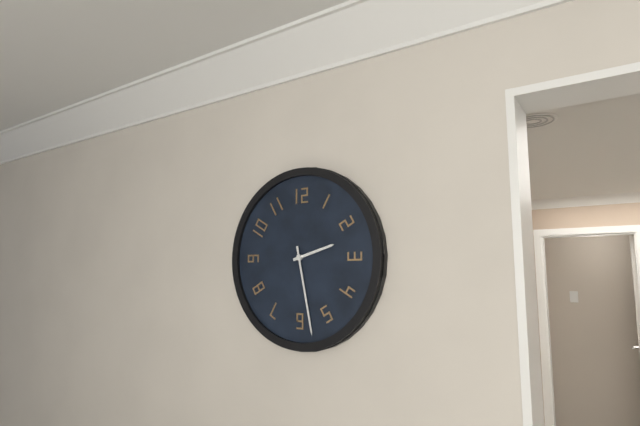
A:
2,28
